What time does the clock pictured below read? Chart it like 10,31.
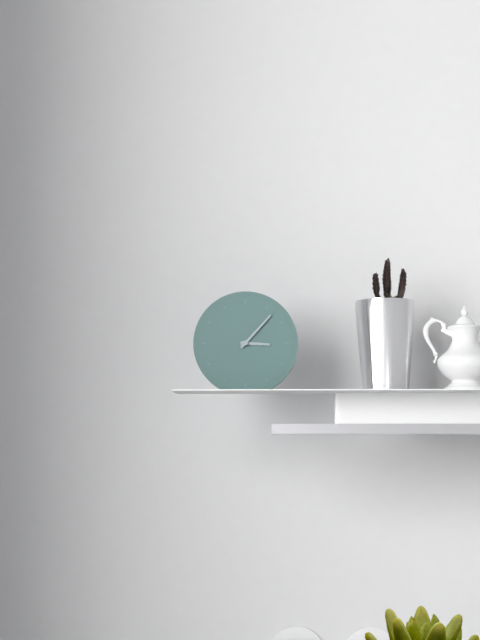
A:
3,07
